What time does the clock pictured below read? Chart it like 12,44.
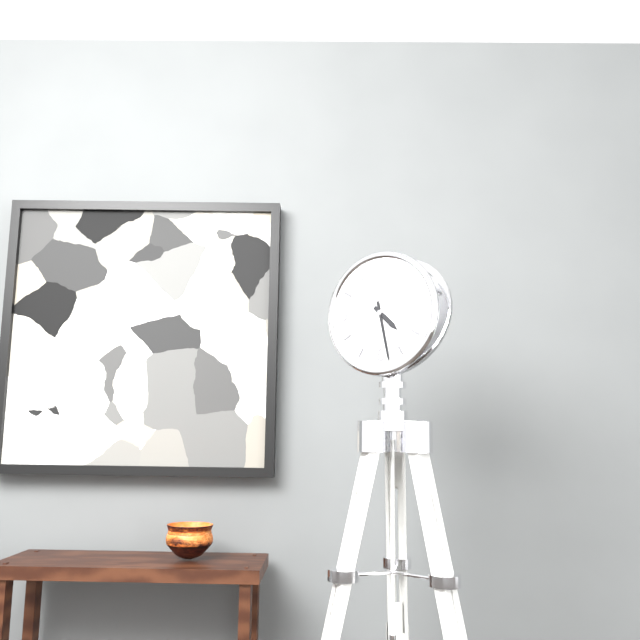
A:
4,28
